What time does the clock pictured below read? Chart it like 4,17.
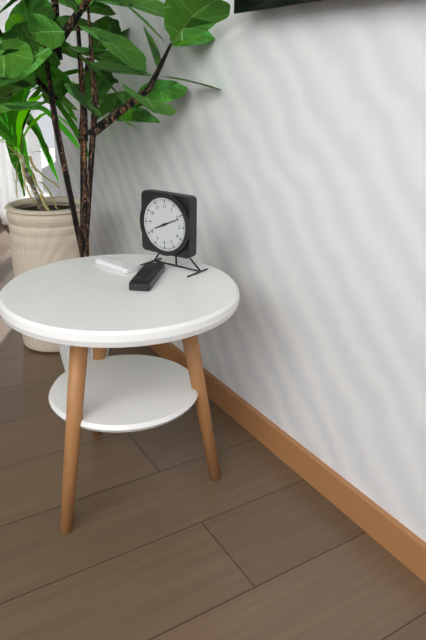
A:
8,11
